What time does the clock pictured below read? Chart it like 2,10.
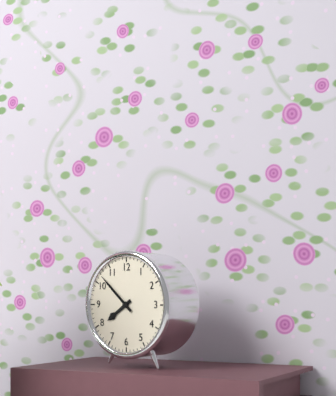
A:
7,52
